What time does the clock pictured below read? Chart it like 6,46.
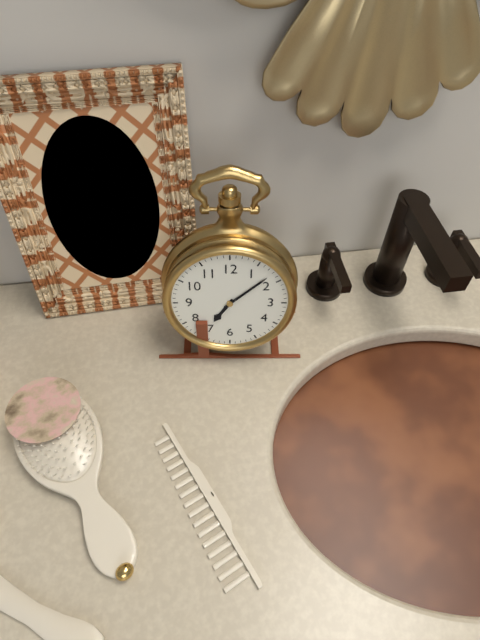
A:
7,08
